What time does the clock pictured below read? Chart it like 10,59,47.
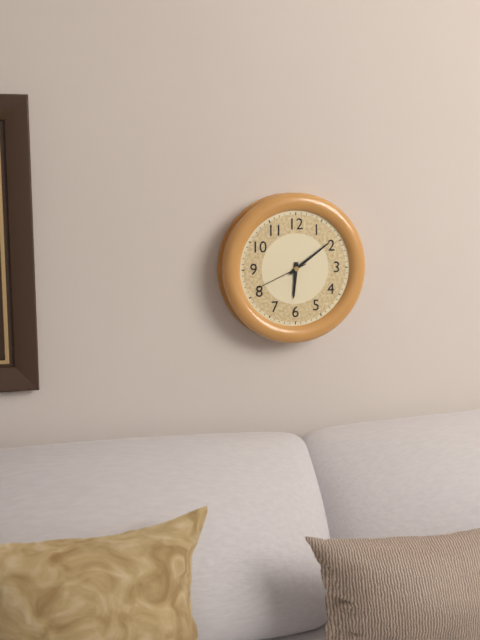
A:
6,09,41
